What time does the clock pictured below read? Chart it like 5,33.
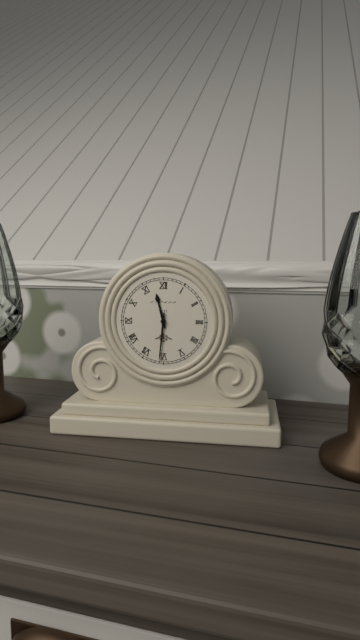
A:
11,31
